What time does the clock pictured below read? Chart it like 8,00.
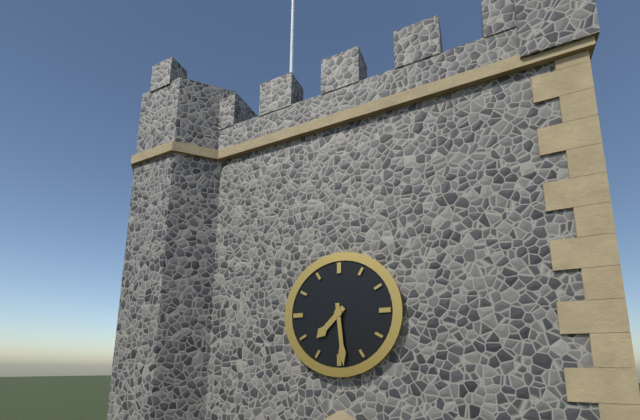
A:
7,29
